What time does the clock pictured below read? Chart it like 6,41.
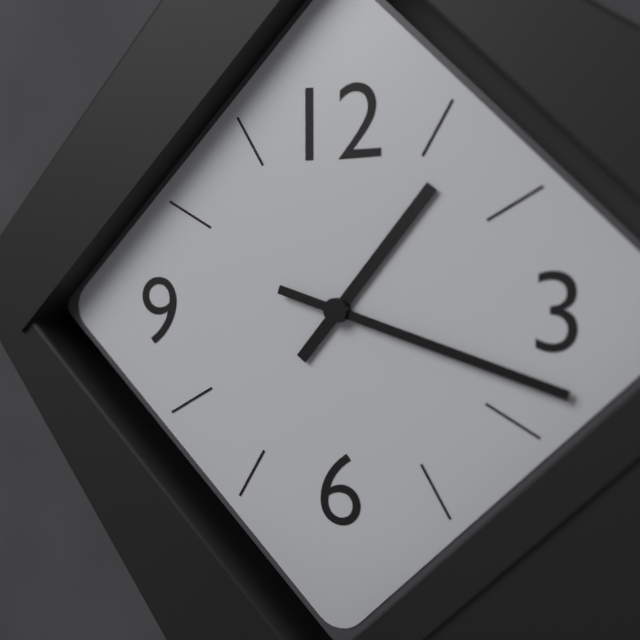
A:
1,18
